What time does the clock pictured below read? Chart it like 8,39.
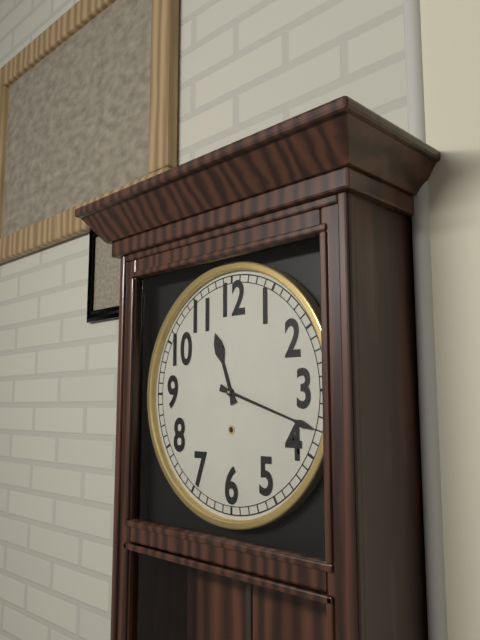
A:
11,18
